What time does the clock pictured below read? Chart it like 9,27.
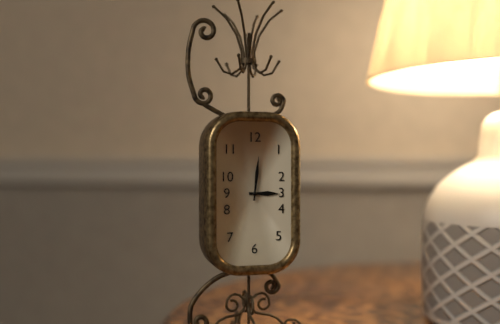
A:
3,01
